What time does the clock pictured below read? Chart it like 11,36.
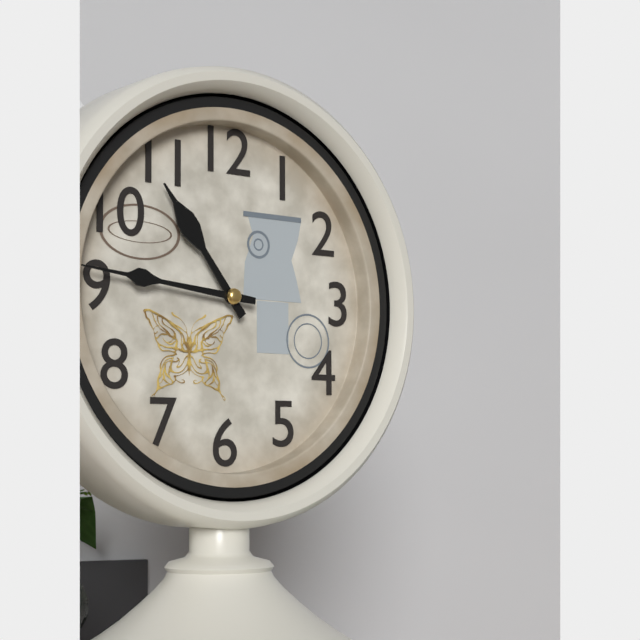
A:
10,46
